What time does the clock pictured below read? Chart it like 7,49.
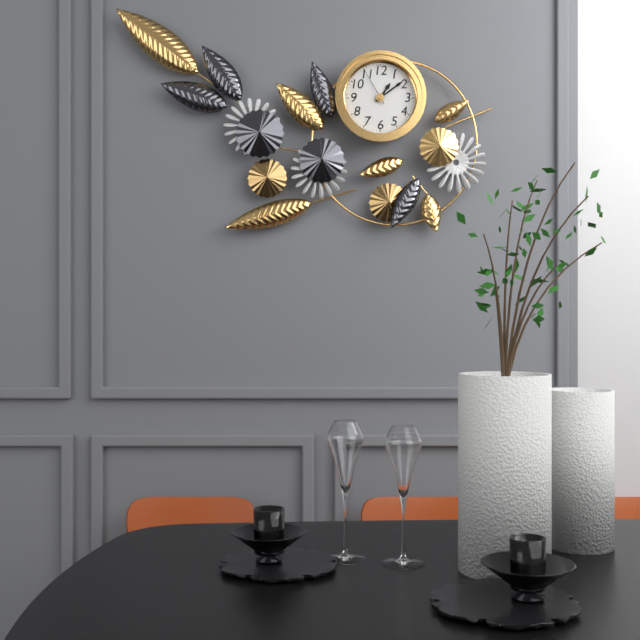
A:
1,09
